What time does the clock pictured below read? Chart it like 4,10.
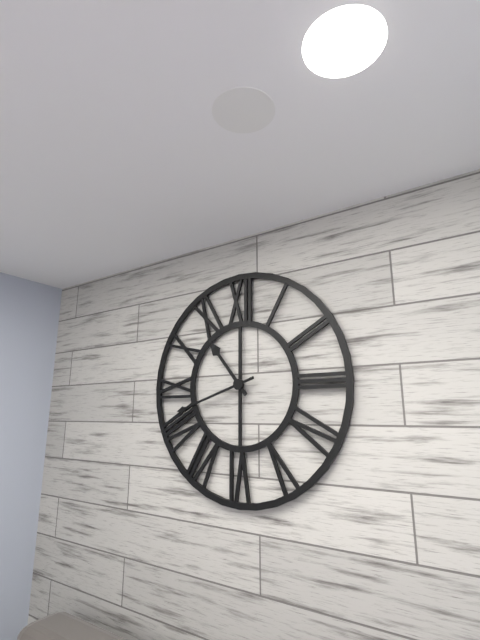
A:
10,42
